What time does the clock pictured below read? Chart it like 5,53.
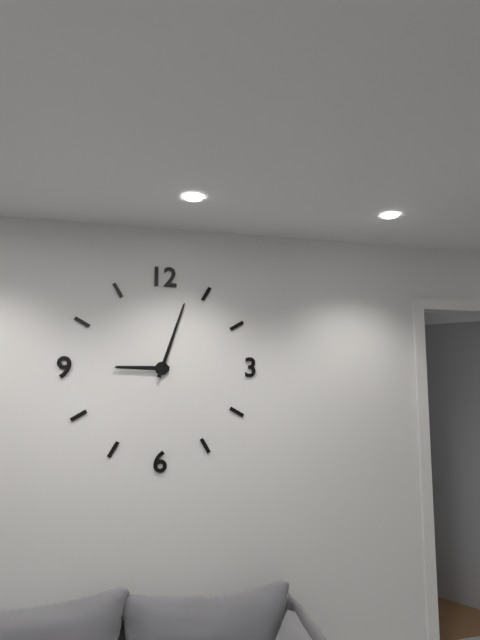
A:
9,03
